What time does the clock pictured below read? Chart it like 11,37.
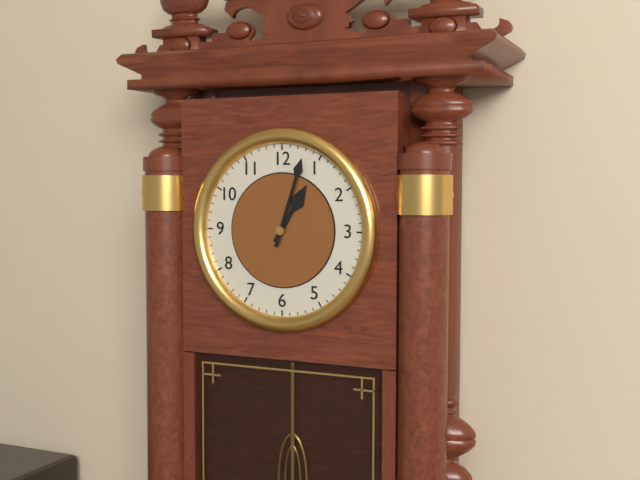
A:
1,03
